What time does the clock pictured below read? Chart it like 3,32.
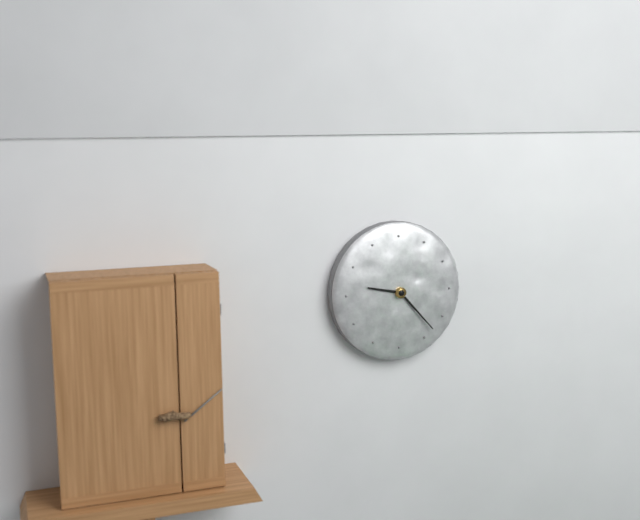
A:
9,23
